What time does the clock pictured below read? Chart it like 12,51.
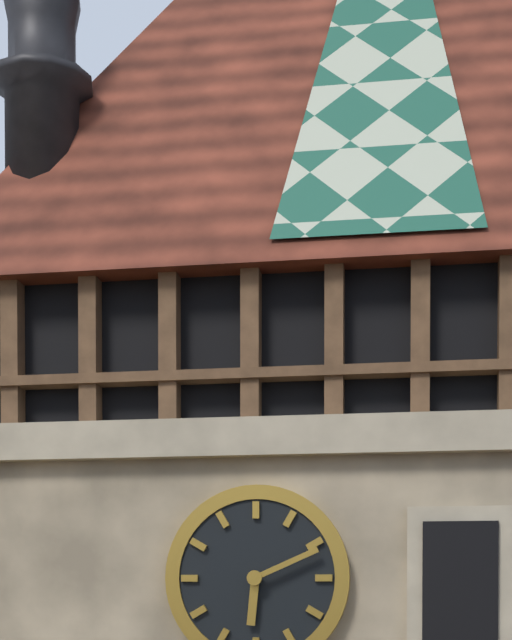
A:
6,11
